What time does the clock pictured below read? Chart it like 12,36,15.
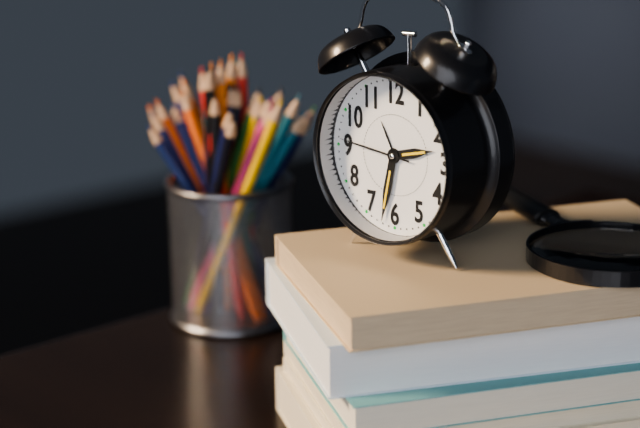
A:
2,32,46
